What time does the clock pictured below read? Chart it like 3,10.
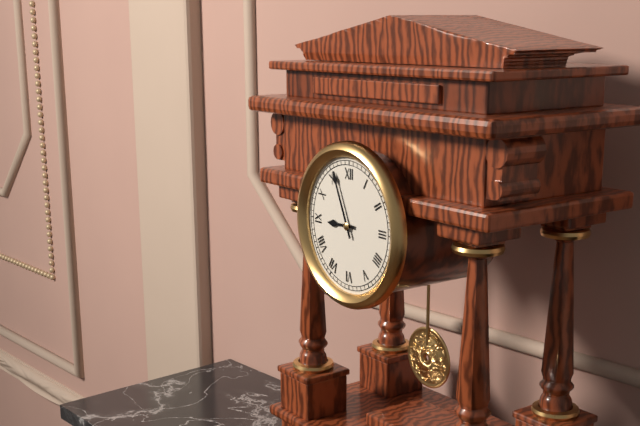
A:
8,56
